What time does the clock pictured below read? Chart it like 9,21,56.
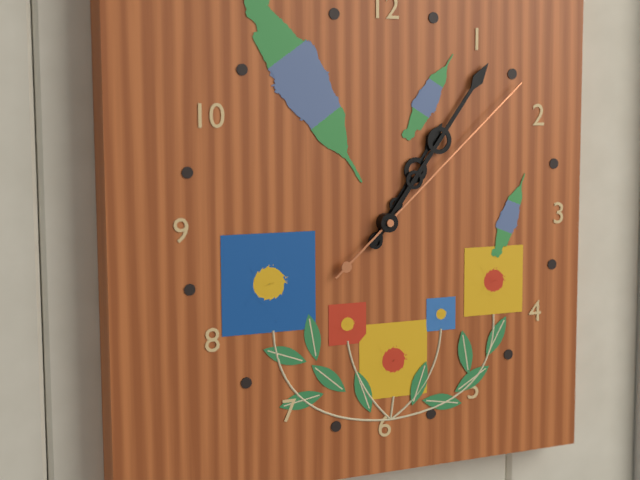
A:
1,06,08
